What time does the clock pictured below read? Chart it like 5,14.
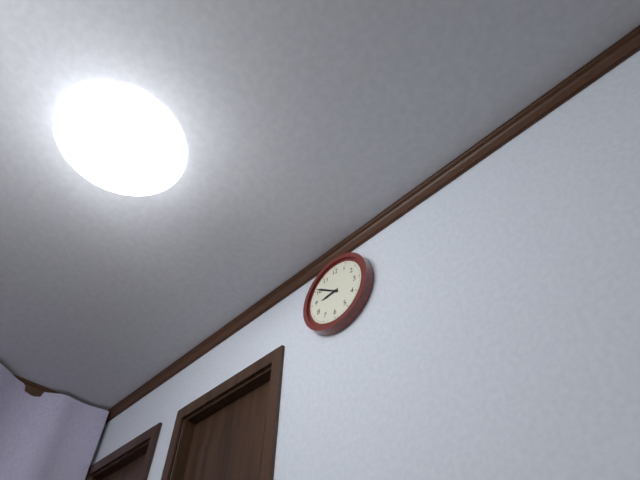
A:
8,51
